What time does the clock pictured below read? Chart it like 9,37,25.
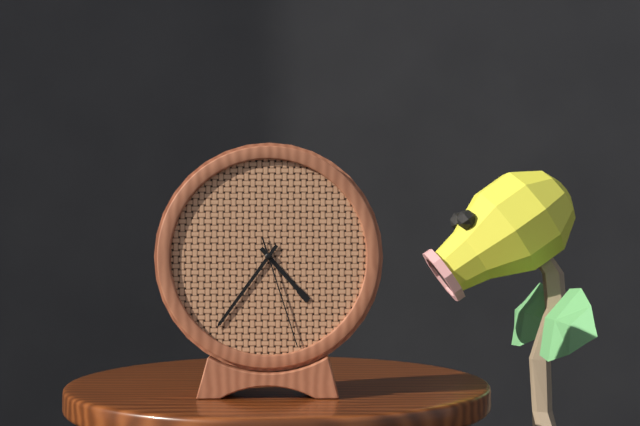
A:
4,36,27
